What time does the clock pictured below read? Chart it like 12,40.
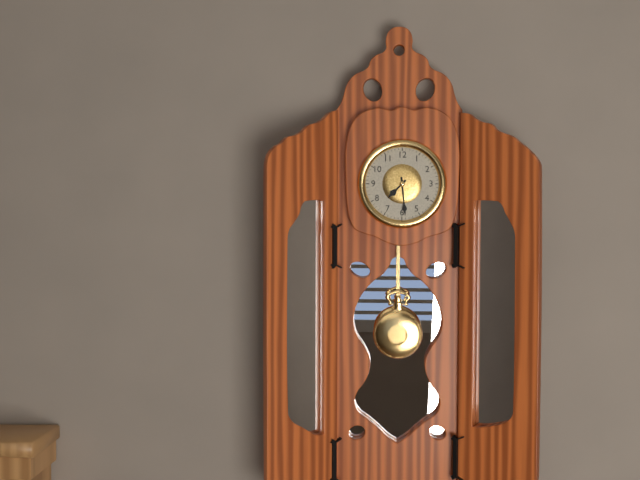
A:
7,29
